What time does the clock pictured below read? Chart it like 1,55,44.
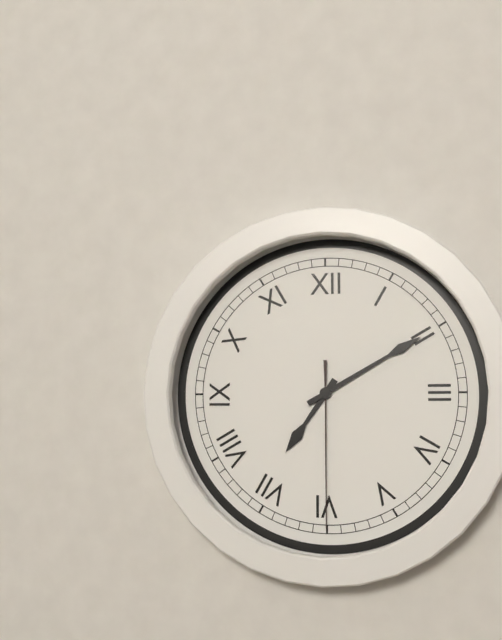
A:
7,10,30
